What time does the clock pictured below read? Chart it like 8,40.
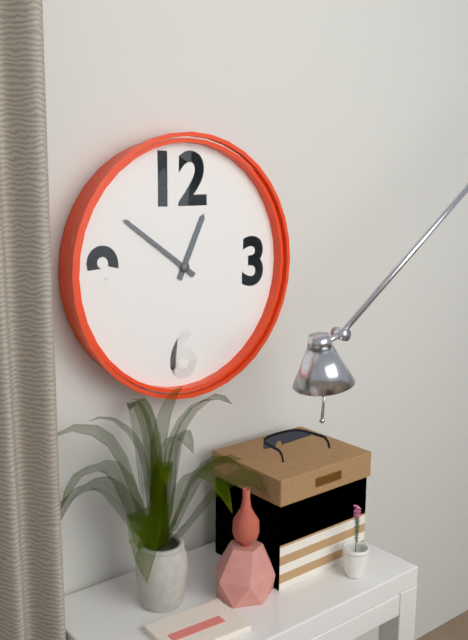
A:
12,51
